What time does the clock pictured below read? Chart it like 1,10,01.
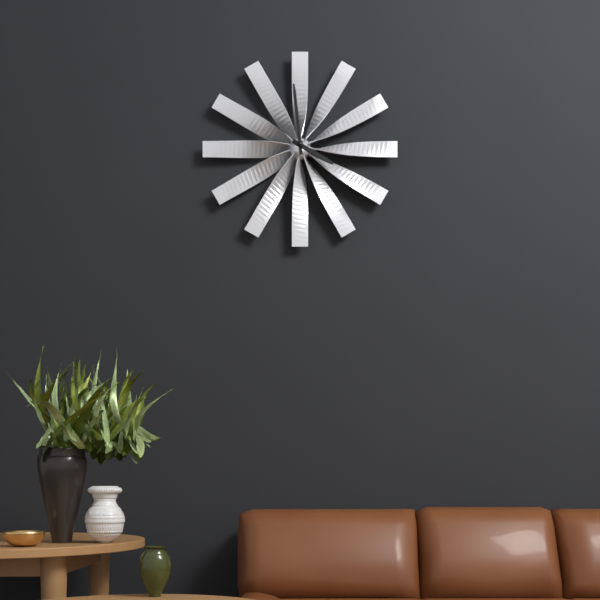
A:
3,59,51
